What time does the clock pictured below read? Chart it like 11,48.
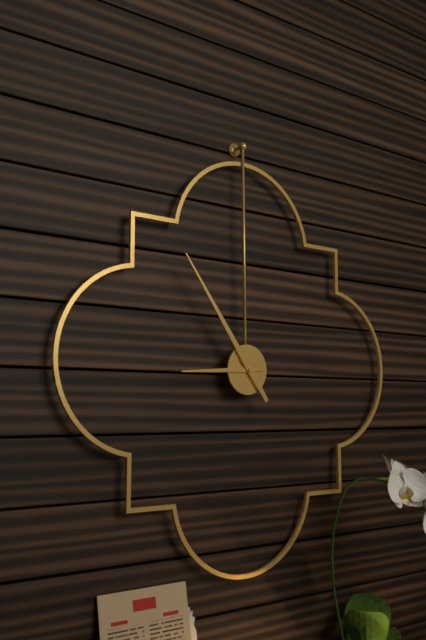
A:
8,54
